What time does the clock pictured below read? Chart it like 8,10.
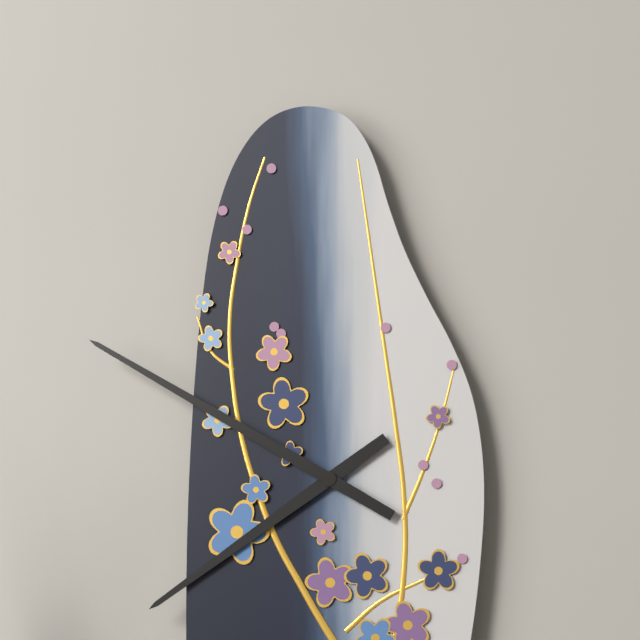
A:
7,50
